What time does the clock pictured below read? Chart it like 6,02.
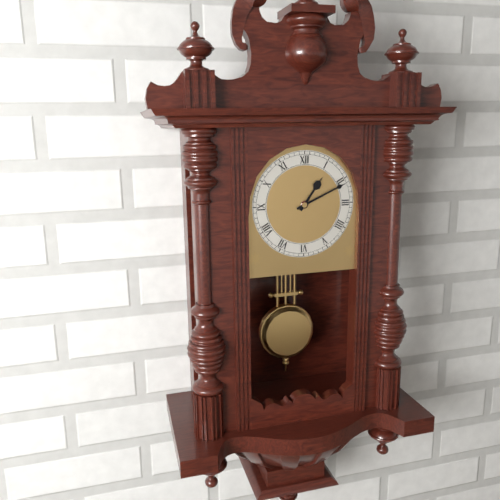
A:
1,11
